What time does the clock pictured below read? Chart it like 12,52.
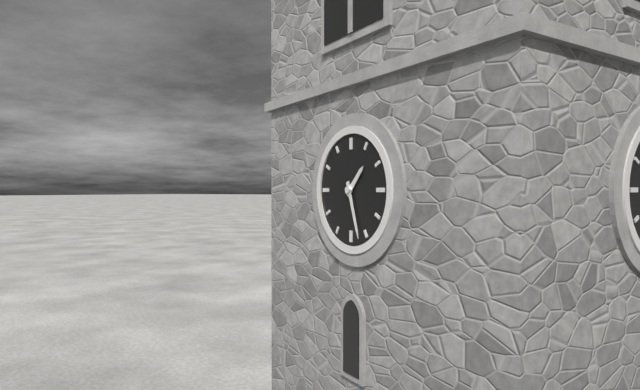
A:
1,27
